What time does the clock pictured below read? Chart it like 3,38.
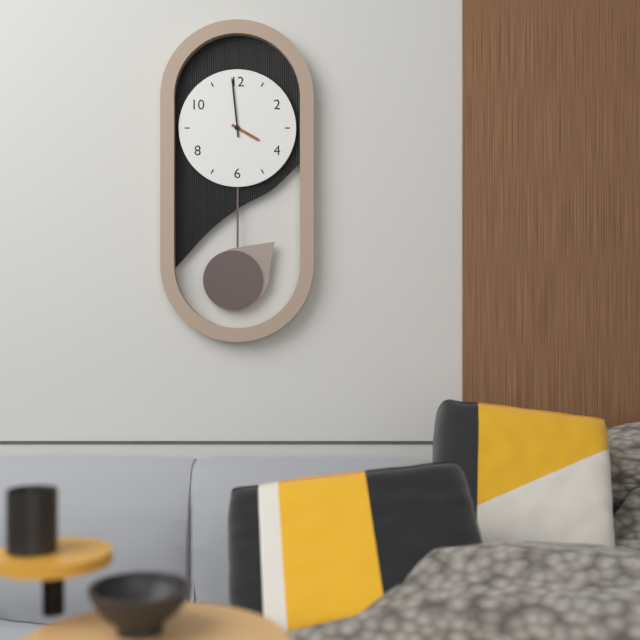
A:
3,59
